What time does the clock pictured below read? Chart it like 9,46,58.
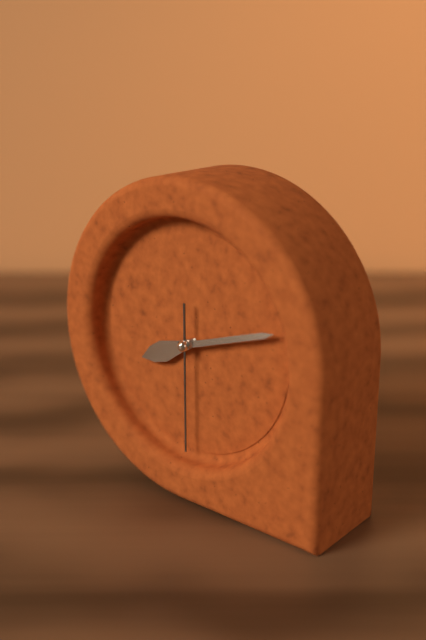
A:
8,12,30
